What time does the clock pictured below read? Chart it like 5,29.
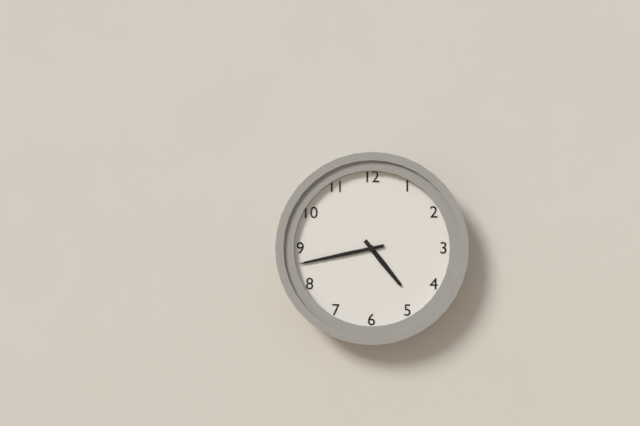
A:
4,43
